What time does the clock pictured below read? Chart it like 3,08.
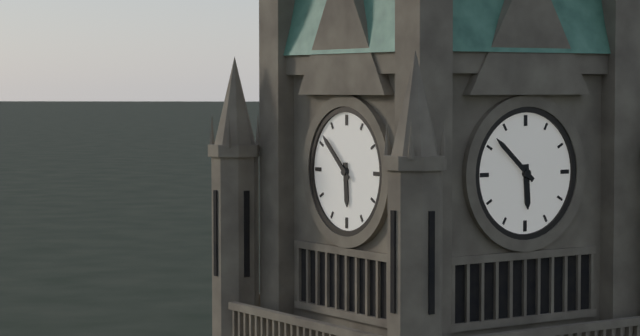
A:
5,52
